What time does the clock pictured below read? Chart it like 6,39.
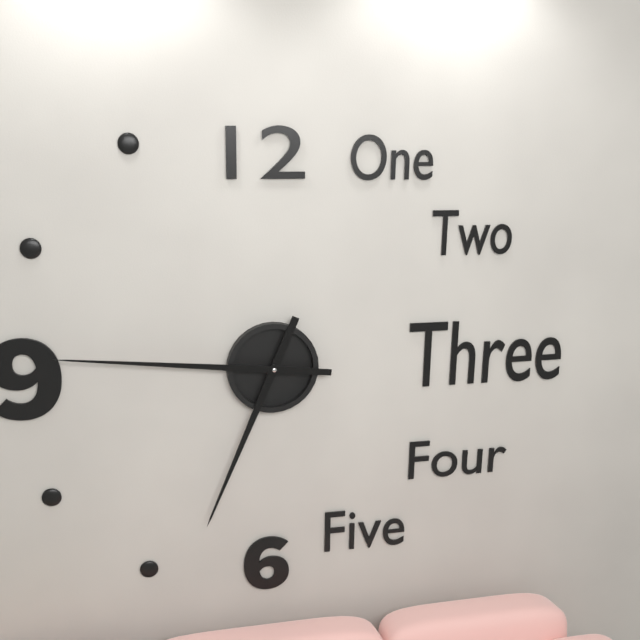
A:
6,46
